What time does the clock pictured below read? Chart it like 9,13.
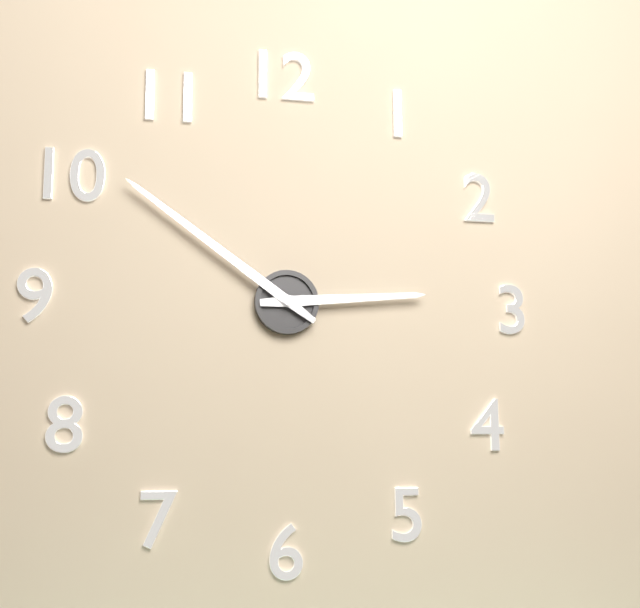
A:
2,51
